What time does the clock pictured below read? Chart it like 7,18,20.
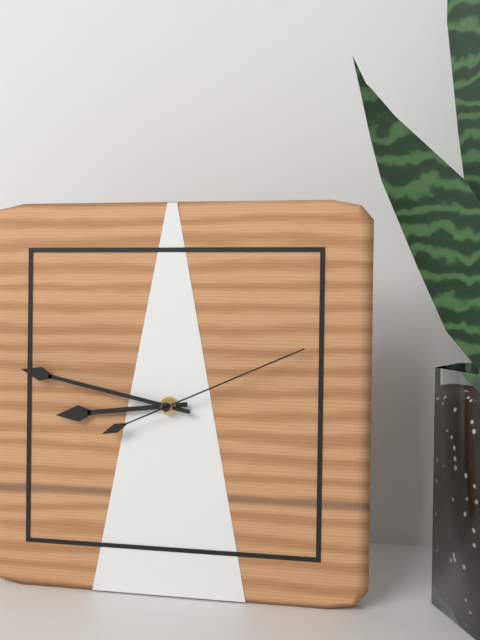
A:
8,47,11
